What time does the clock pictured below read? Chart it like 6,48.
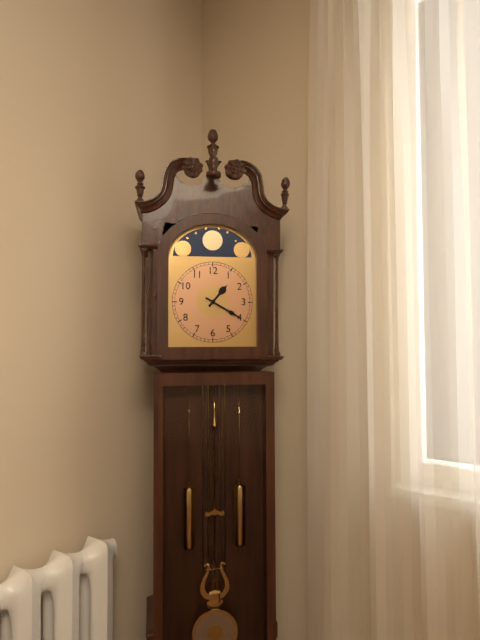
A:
1,20
